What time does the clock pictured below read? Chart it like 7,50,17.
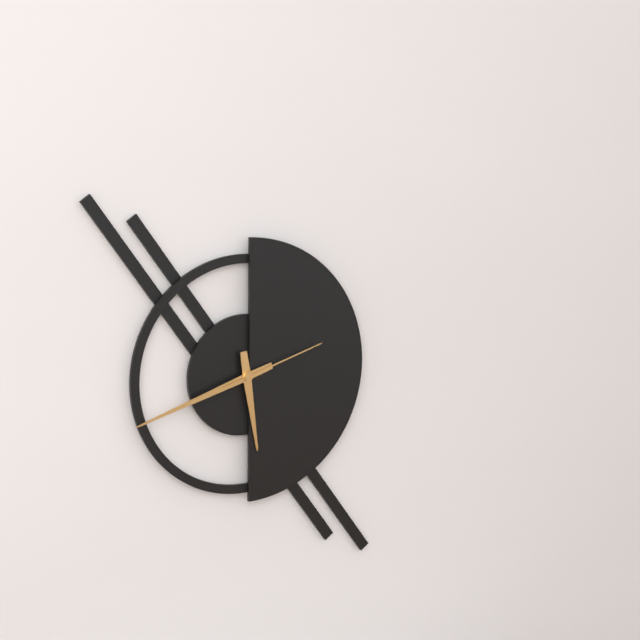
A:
5,42,12
